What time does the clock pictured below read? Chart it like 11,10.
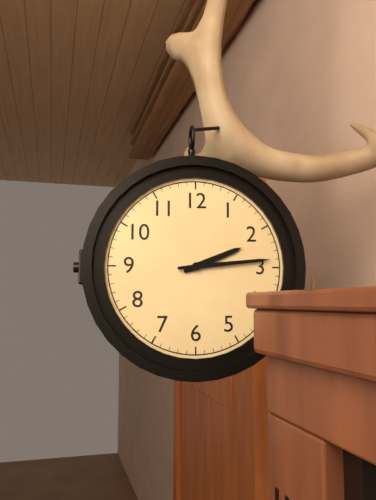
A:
2,14
